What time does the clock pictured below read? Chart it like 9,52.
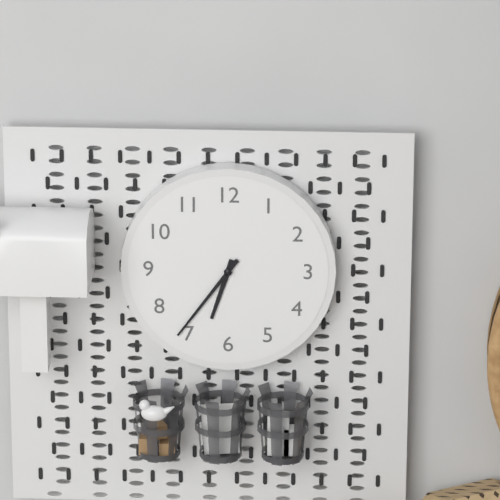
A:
6,36
